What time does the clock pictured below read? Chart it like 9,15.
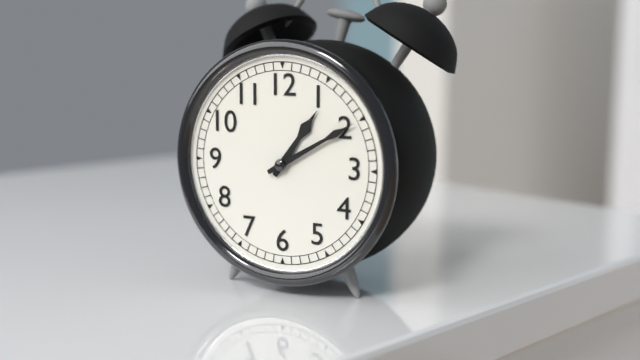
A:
1,10
